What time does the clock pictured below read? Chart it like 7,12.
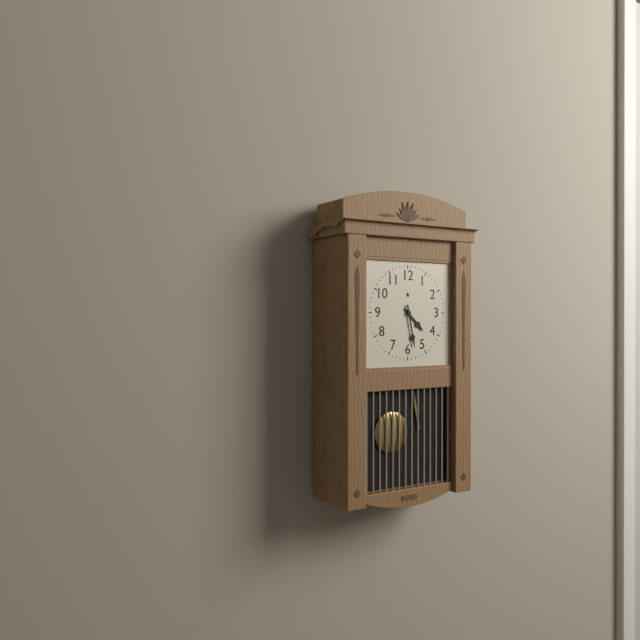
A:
4,28
